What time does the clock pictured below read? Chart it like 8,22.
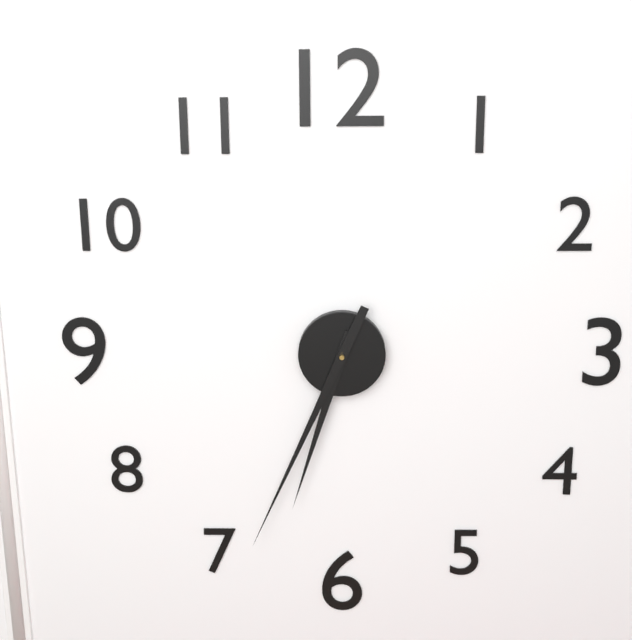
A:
6,34
